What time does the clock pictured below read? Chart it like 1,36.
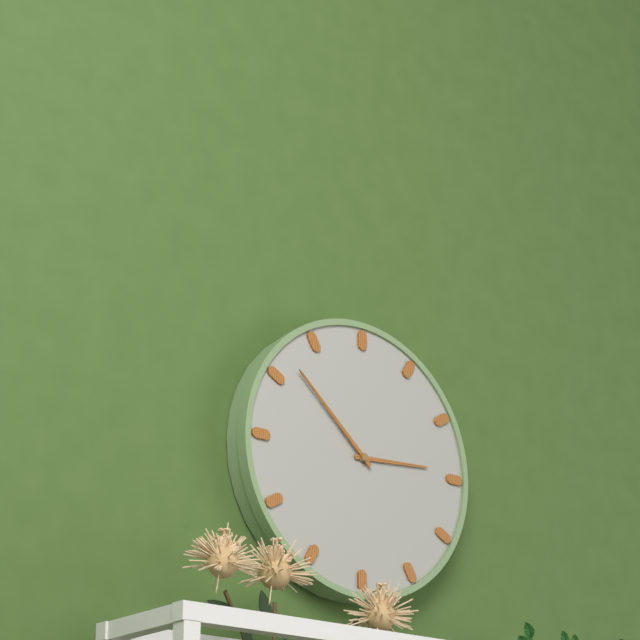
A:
2,52
